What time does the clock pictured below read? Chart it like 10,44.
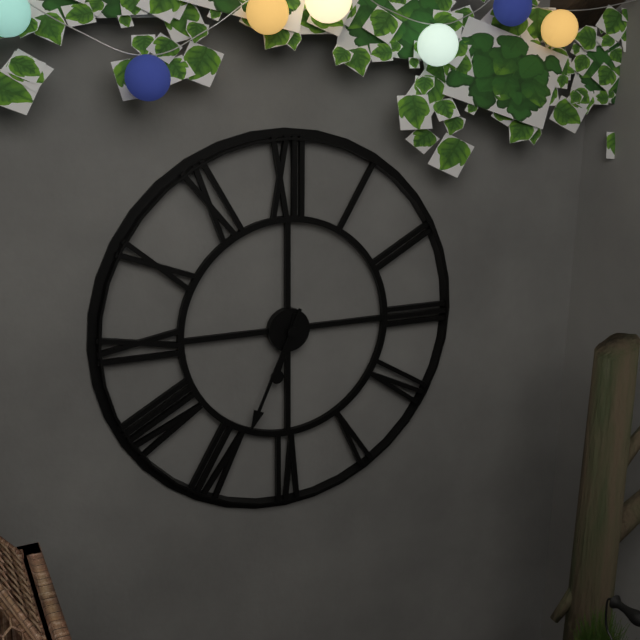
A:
6,34
